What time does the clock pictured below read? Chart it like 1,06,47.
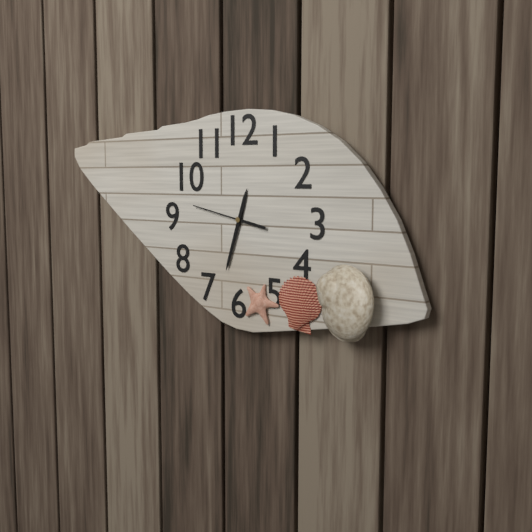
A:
12,33,47
